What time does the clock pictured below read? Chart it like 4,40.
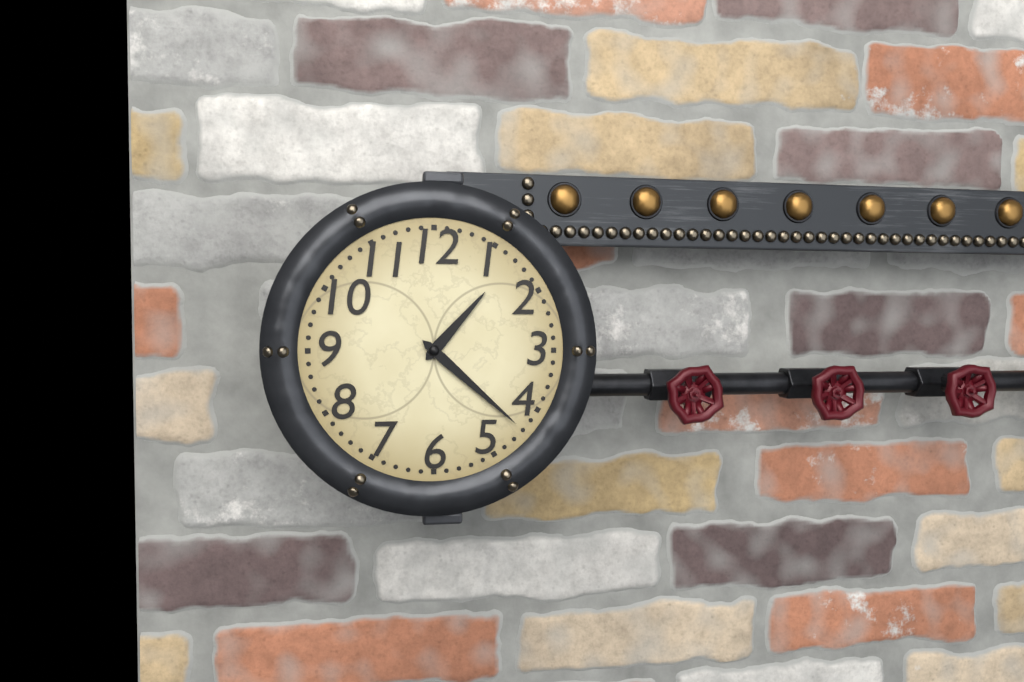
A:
1,22
